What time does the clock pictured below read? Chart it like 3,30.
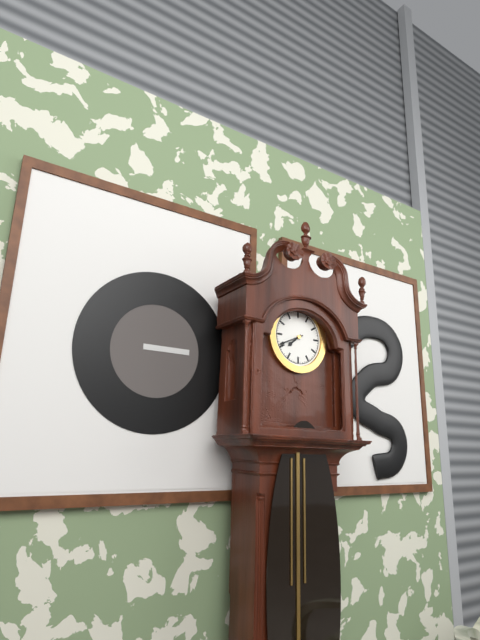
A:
7,41
